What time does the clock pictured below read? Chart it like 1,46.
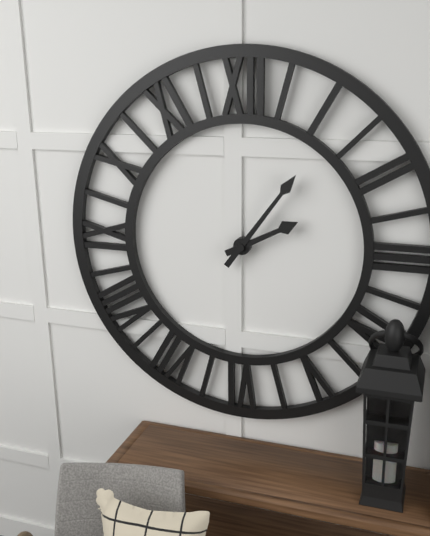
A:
2,06
